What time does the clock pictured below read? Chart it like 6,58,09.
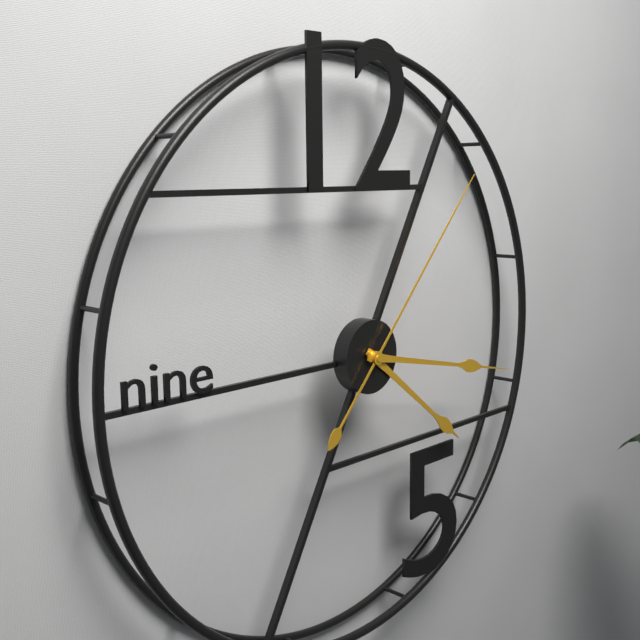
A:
4,17,07
